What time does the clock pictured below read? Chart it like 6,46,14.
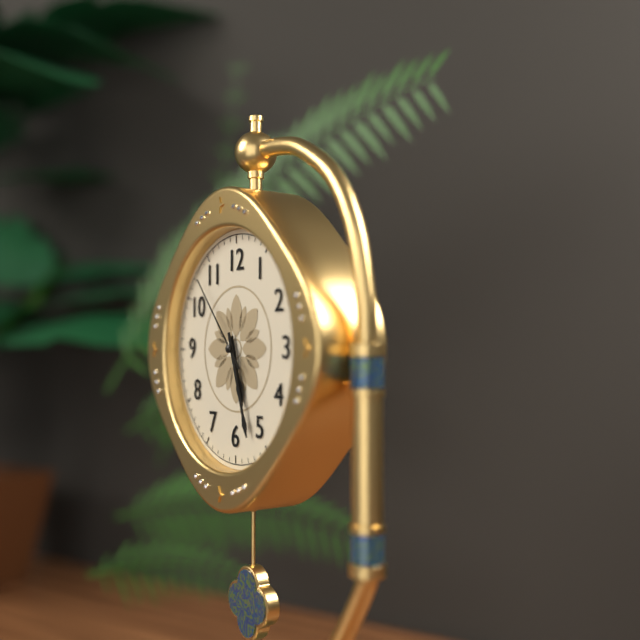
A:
5,27,53
